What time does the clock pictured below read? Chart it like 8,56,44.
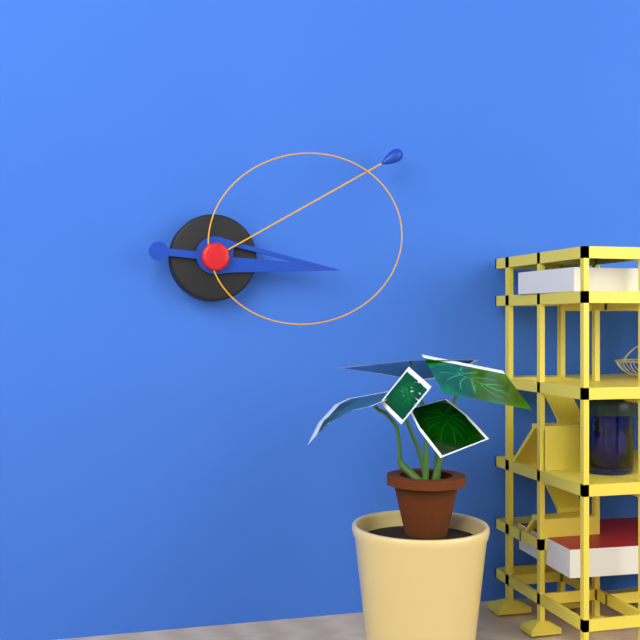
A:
3,10,13
